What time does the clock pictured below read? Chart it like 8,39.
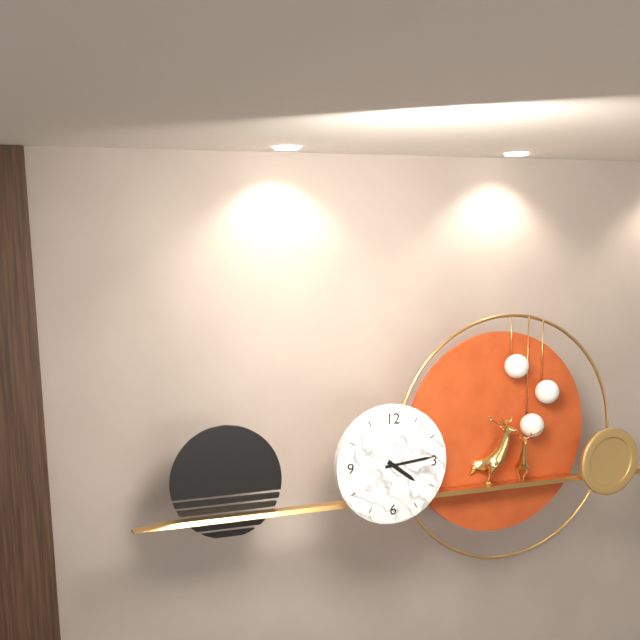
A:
4,14
